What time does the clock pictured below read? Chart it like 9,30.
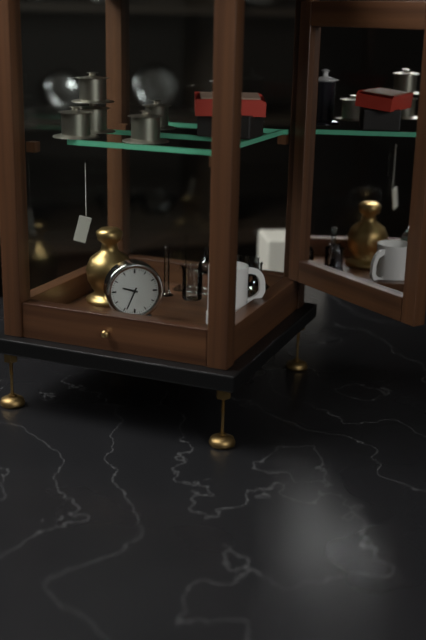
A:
9,34
